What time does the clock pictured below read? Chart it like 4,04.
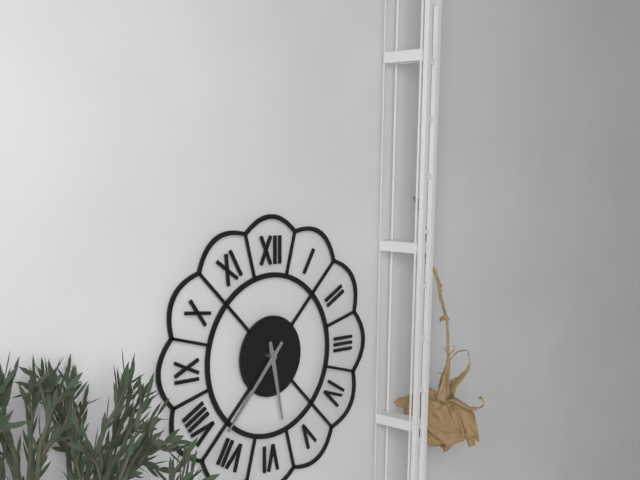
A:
5,37
